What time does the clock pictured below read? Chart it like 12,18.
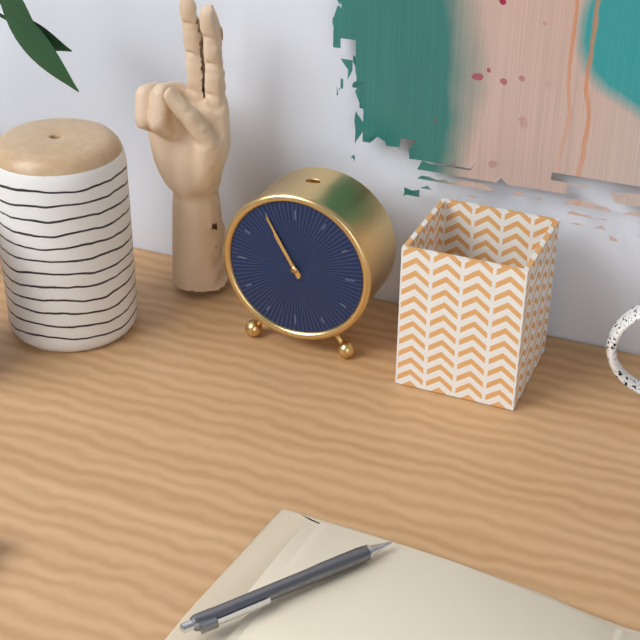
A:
10,55
